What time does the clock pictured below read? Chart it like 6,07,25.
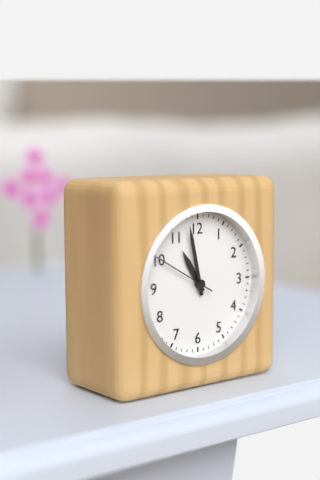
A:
10,58,50
